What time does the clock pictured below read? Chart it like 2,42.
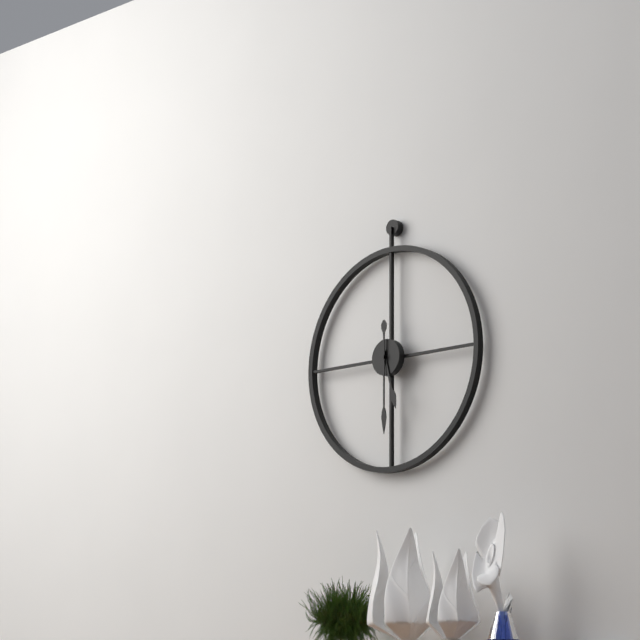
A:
5,30
